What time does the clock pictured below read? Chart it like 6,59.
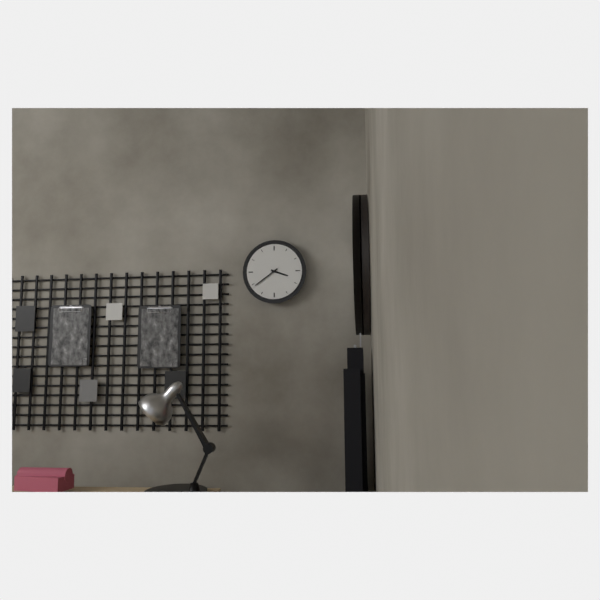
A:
3,39
